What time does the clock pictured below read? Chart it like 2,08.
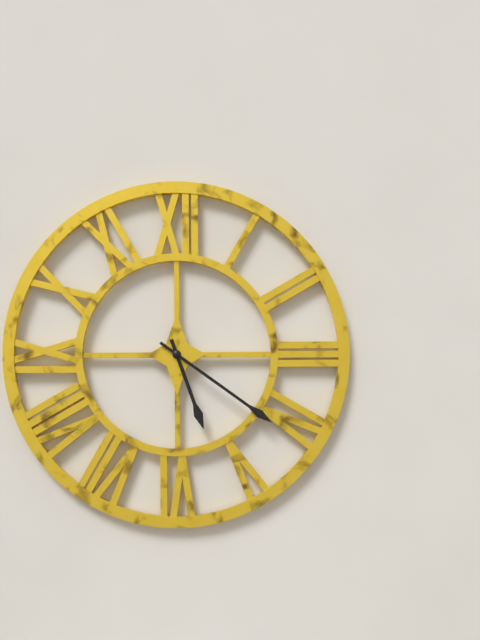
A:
5,21
